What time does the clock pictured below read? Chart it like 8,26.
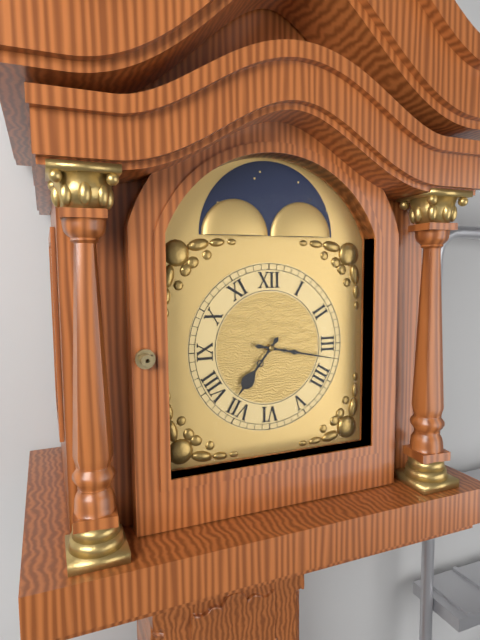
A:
7,17
